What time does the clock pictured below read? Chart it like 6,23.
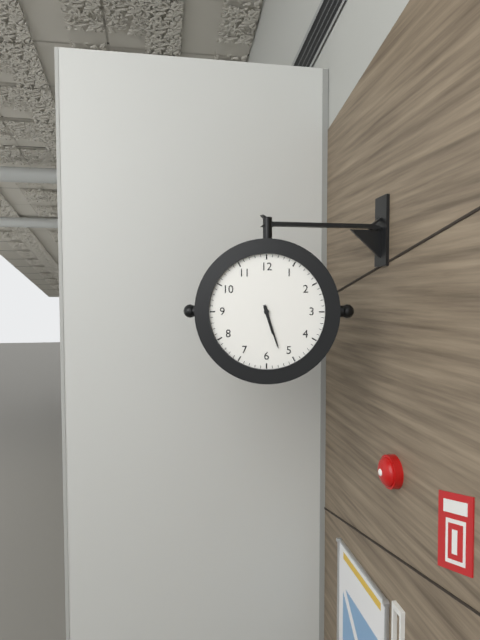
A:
5,27
